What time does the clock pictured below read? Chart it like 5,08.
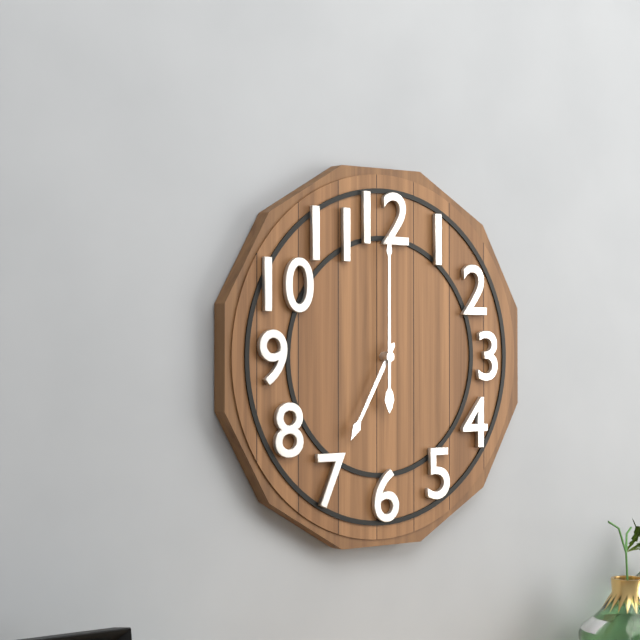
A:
7,00
